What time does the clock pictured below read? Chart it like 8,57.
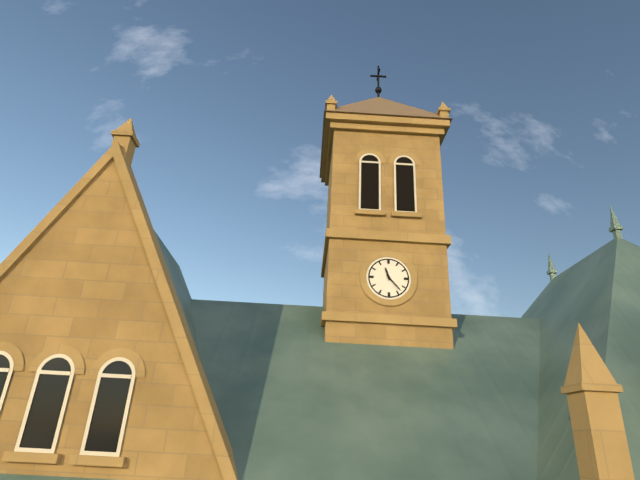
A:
11,23
